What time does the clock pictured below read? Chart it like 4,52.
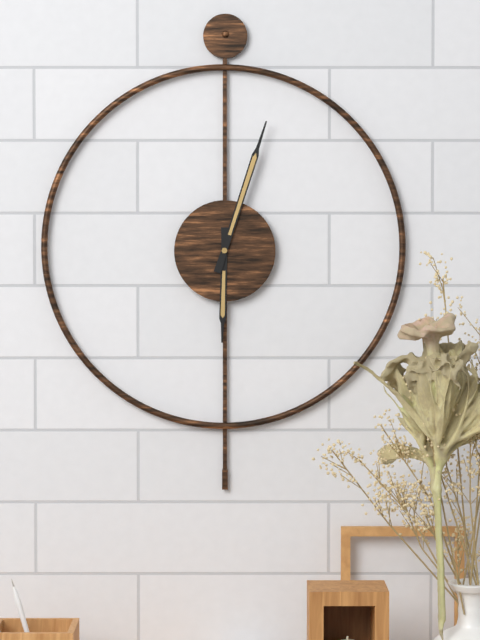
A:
6,03
